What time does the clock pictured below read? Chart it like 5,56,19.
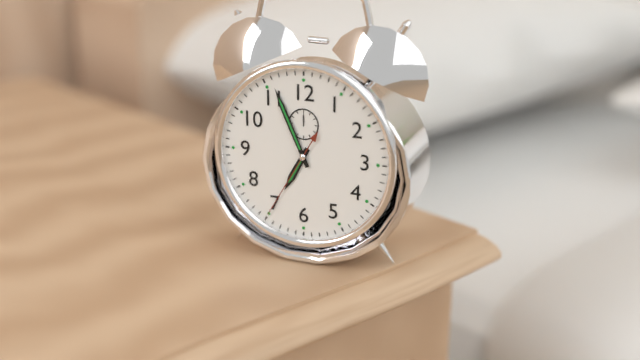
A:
6,56,35
